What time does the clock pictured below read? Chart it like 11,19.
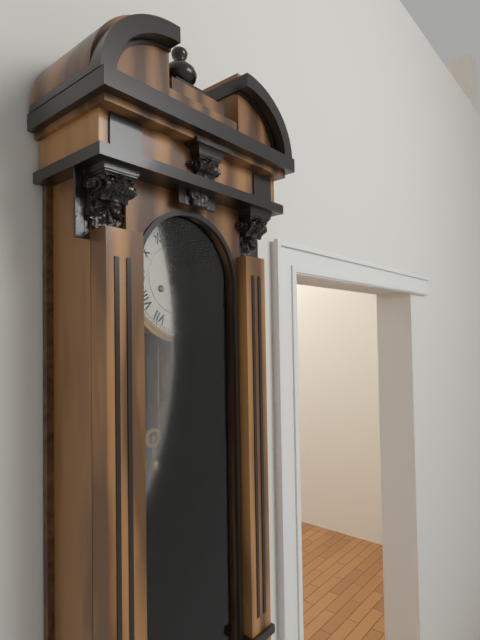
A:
1,25
